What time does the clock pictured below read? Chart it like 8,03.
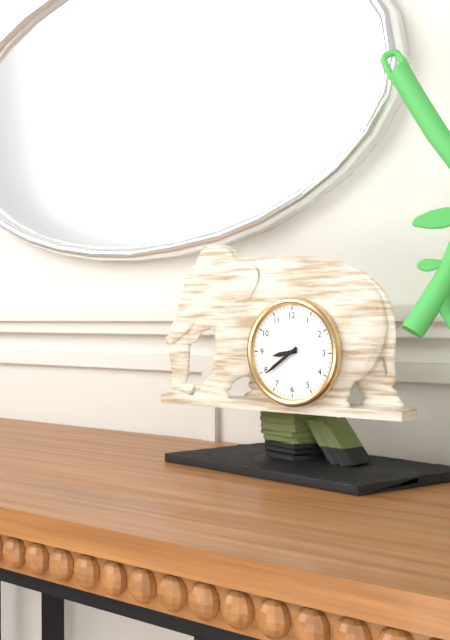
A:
8,39
